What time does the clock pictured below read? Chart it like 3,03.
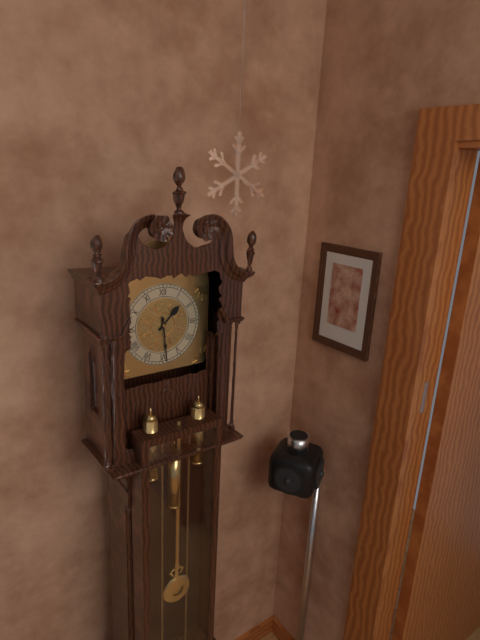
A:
1,29
